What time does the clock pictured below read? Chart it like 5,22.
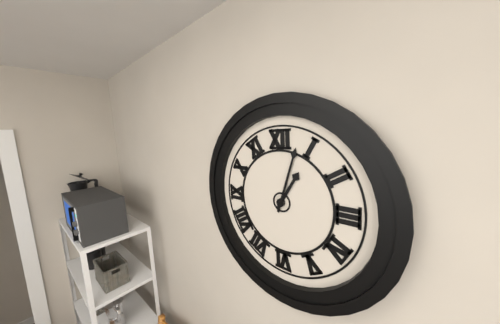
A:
1,03
